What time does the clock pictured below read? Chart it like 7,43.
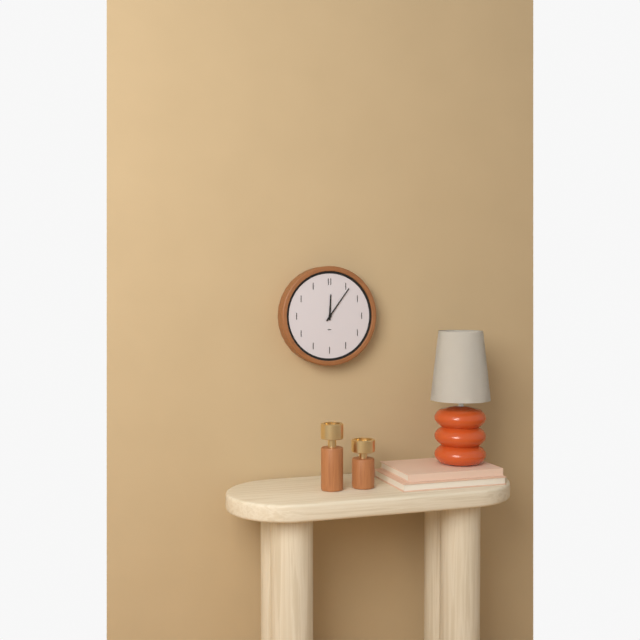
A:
12,06
